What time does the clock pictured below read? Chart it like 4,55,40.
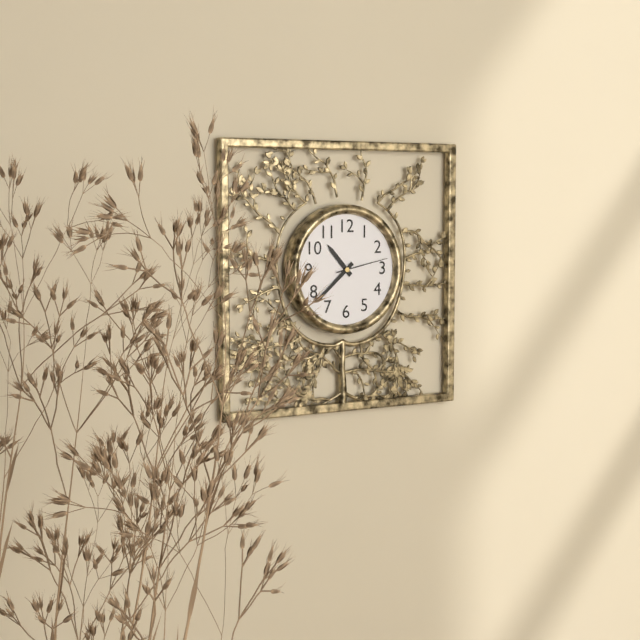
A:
10,38,13
